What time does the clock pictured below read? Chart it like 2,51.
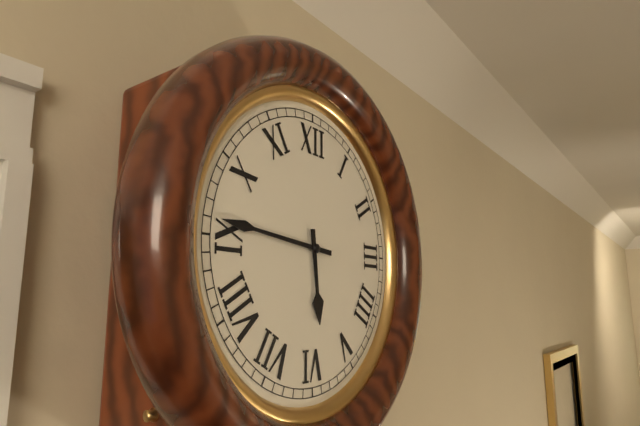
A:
5,46
